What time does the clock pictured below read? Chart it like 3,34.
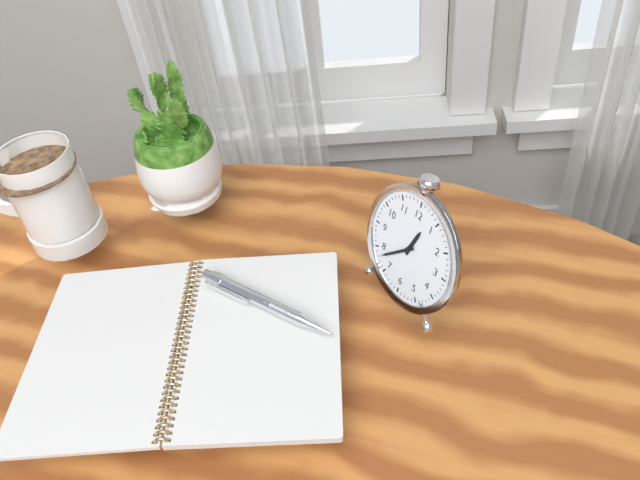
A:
12,38
